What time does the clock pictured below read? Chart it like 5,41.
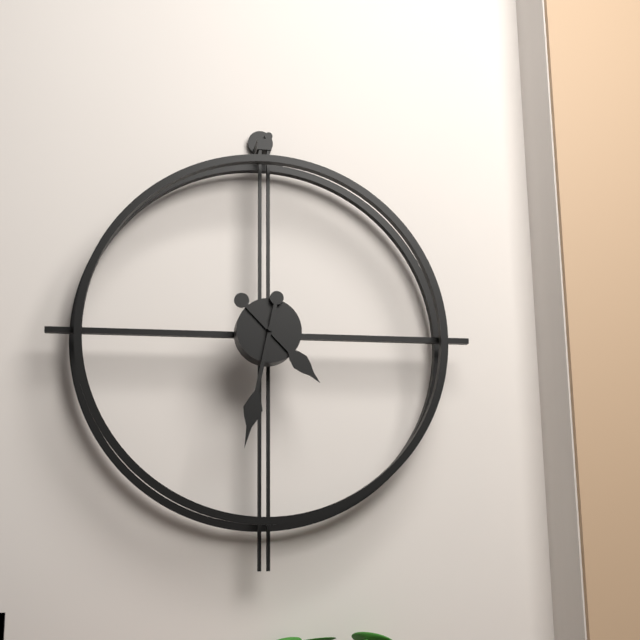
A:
4,32
